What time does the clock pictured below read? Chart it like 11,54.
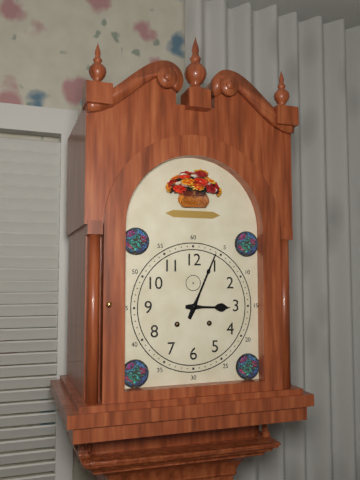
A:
3,04
